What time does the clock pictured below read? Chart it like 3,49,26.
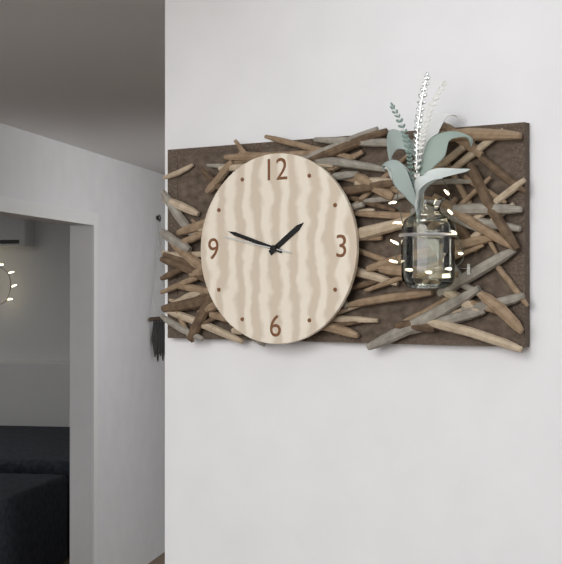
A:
1,48,47
